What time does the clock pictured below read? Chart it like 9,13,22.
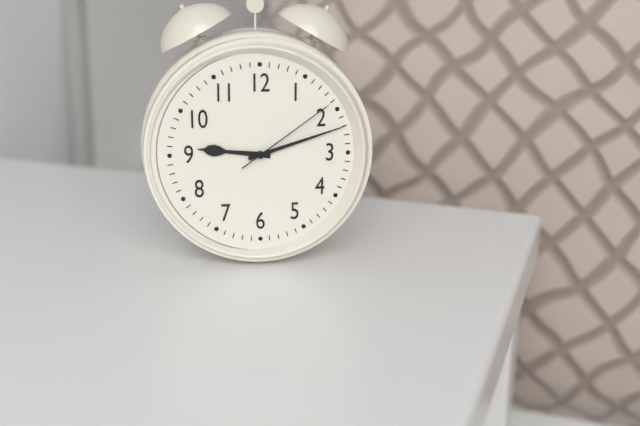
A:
9,12,09
